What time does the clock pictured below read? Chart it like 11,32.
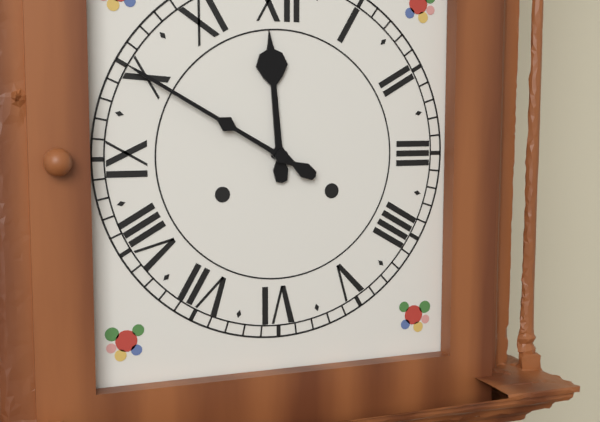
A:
11,50
